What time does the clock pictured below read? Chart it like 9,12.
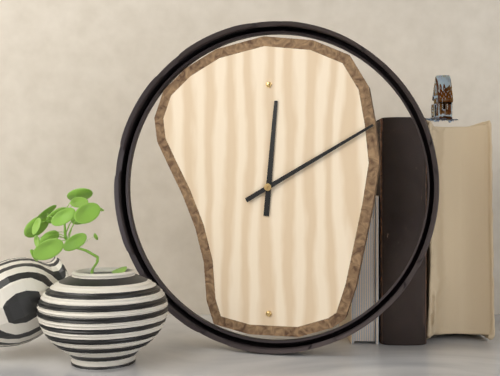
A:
12,10
